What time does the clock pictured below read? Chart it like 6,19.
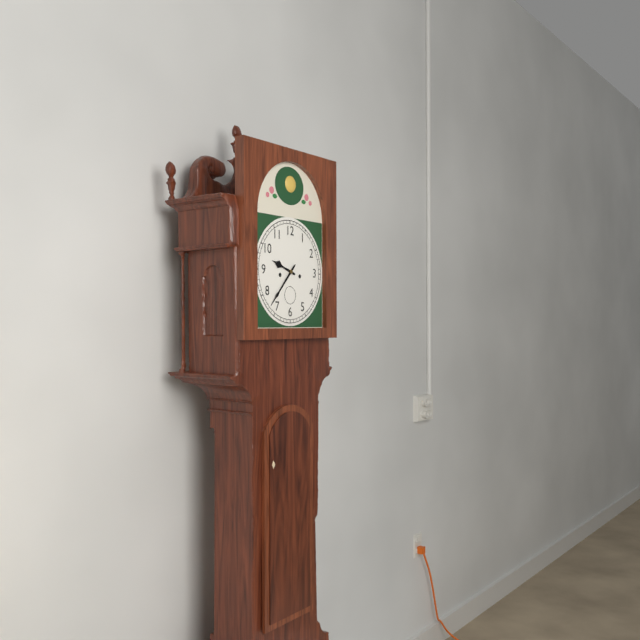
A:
9,37
